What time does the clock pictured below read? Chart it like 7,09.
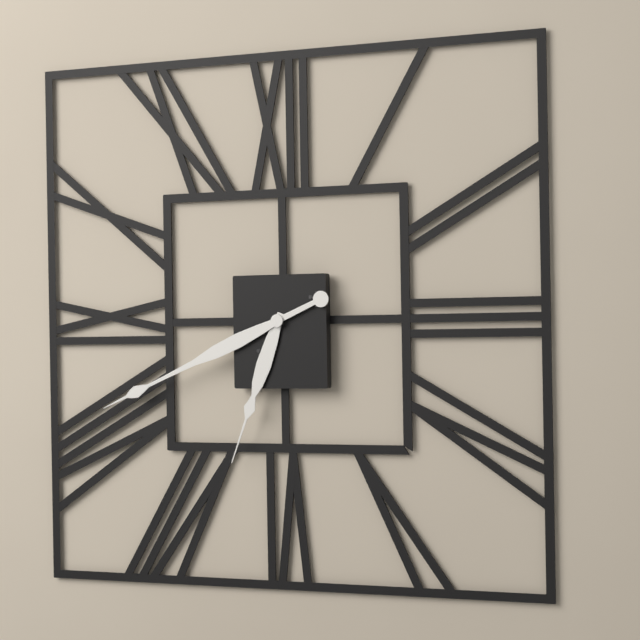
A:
6,41
